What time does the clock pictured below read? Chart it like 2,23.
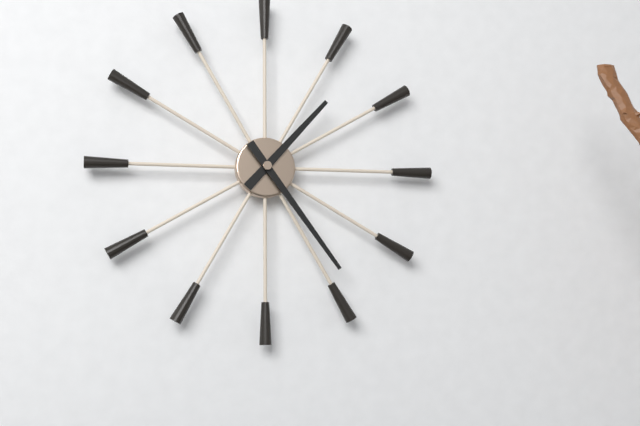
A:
1,24
